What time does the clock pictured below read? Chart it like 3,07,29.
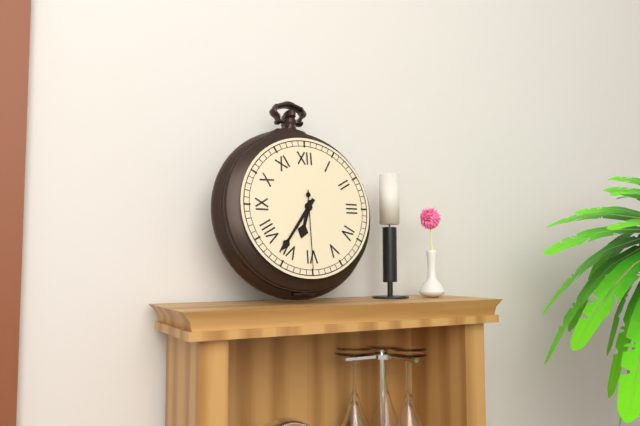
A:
6,36,30
